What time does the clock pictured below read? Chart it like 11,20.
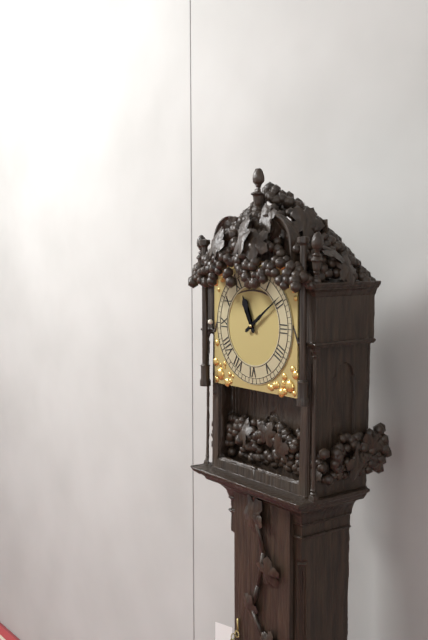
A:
11,09
